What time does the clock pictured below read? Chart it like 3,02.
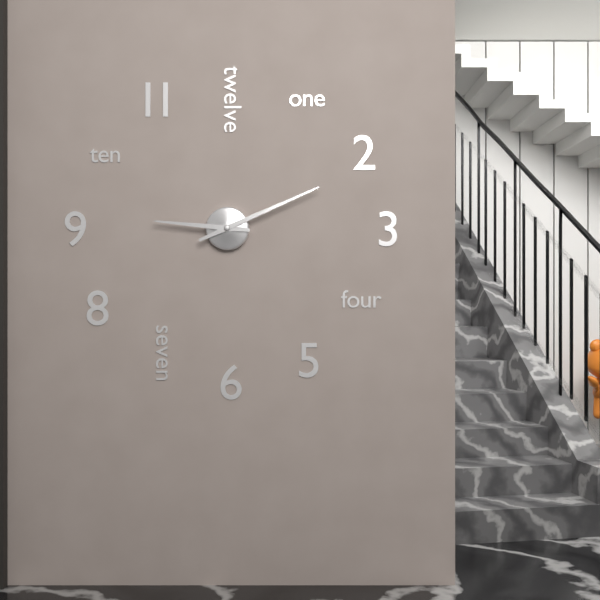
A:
9,11
